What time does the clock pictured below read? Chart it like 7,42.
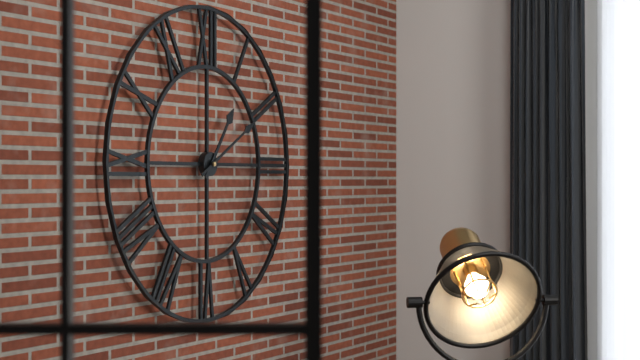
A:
1,10
